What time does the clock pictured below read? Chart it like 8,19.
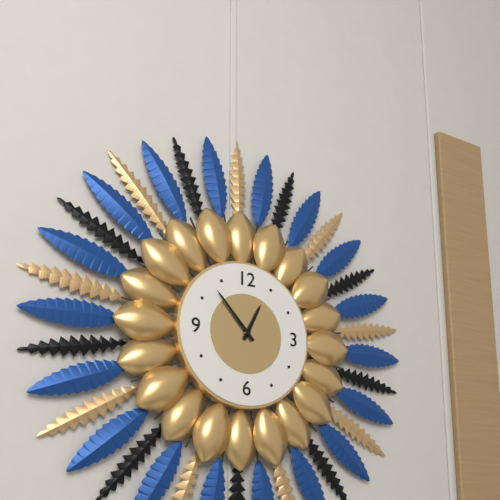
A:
12,53
